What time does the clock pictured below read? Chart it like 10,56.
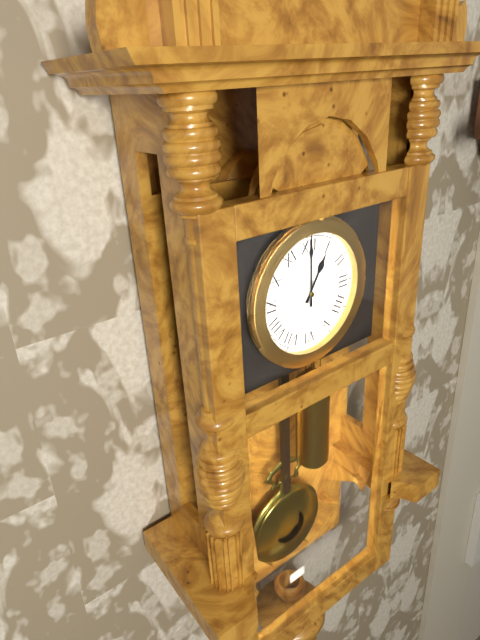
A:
1,00
